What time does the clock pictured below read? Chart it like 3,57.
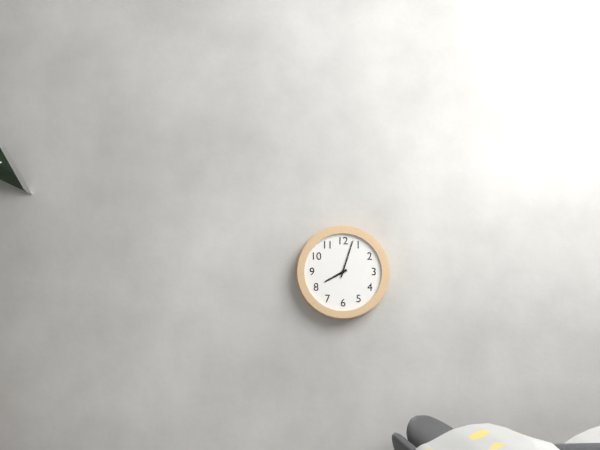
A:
8,03
